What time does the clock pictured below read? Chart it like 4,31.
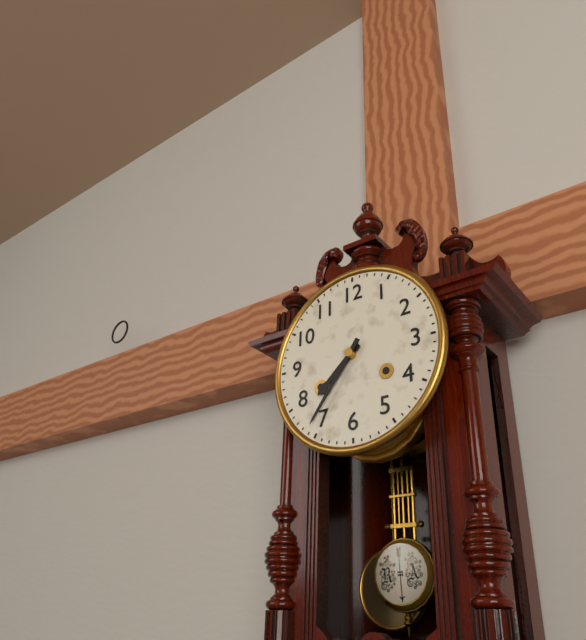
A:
7,36
